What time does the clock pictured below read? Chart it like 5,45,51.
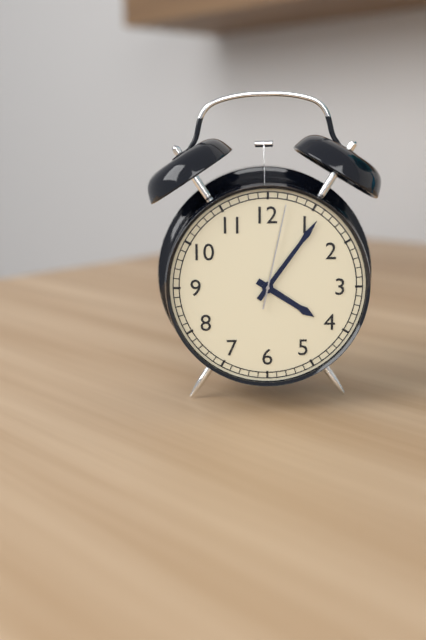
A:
4,06,02
